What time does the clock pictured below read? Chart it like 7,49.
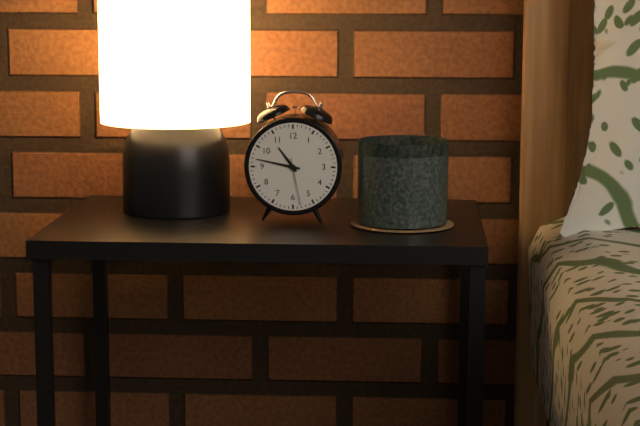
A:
10,47
